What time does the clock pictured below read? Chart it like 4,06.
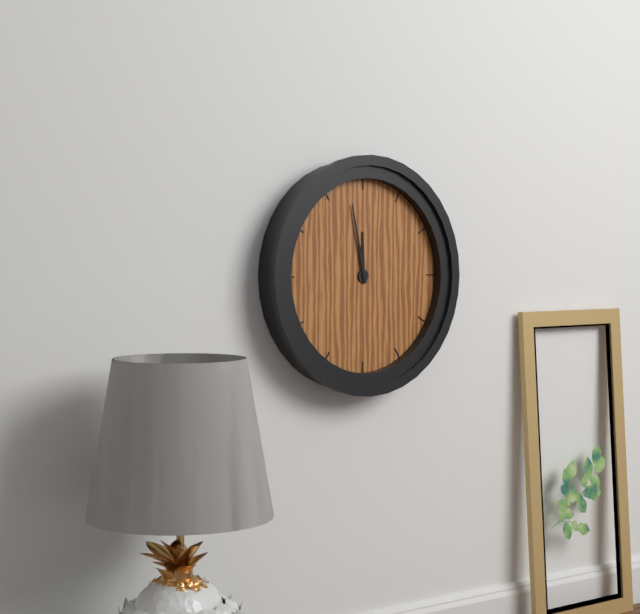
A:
11,58
